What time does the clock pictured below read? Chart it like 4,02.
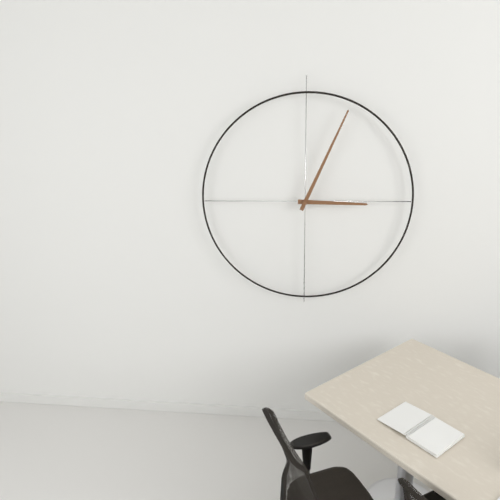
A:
3,04
